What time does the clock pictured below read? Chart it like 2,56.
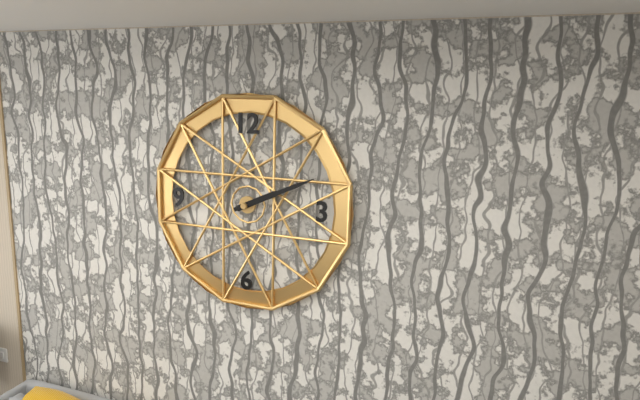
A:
2,11
